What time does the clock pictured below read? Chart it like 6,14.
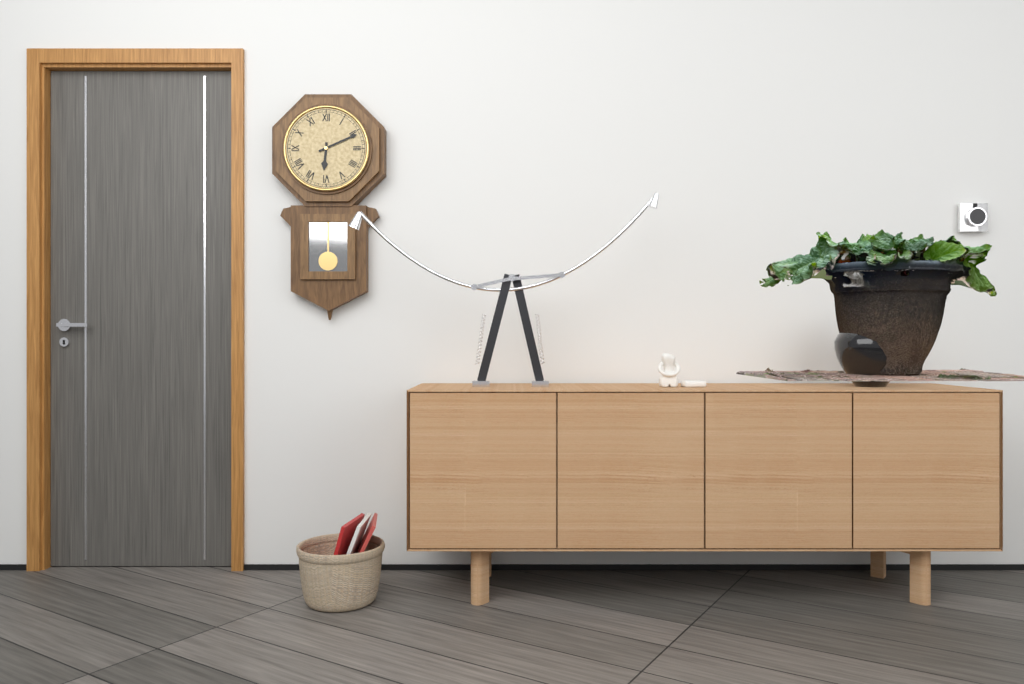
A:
6,11
